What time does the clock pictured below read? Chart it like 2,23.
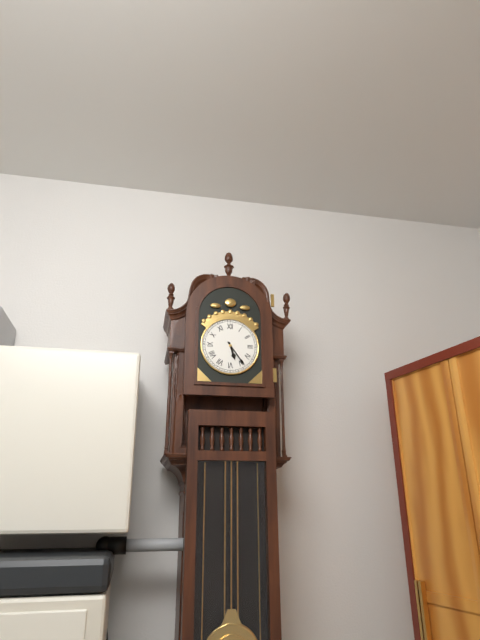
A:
5,24
